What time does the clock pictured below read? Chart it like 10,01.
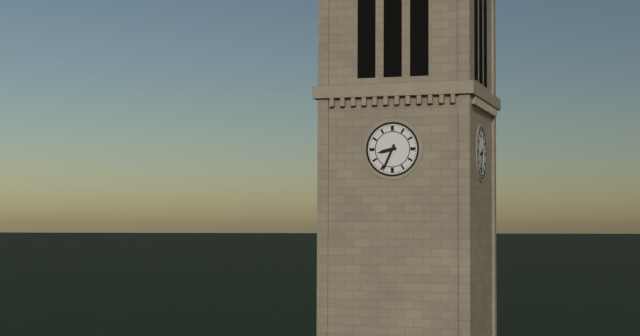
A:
8,34
